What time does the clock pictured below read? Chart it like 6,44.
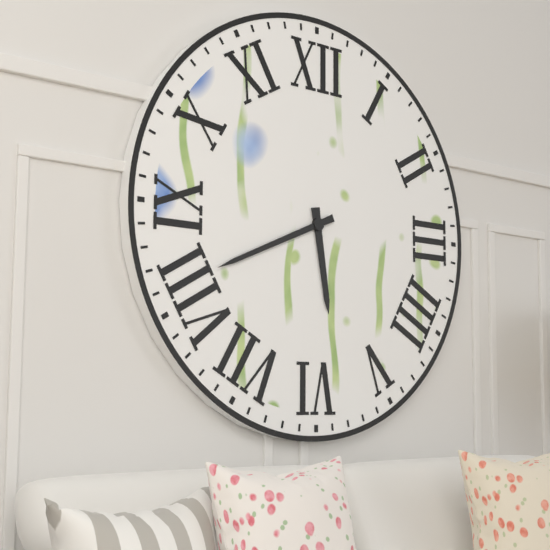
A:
5,41
